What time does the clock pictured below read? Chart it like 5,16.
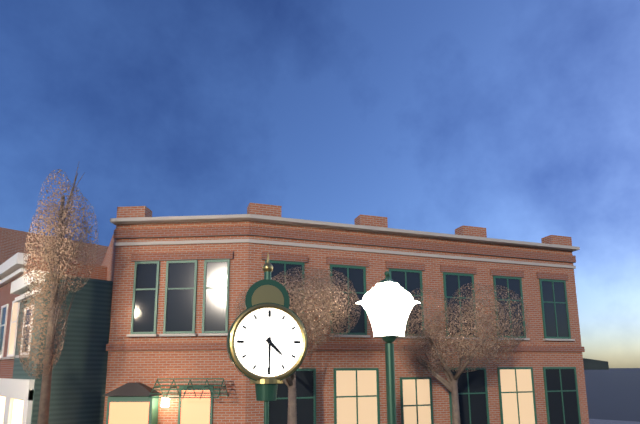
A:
4,30
